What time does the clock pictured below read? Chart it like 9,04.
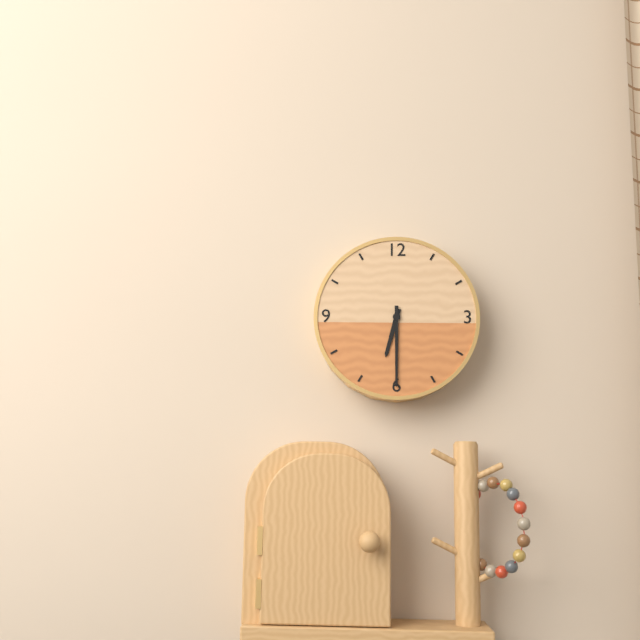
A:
6,30
